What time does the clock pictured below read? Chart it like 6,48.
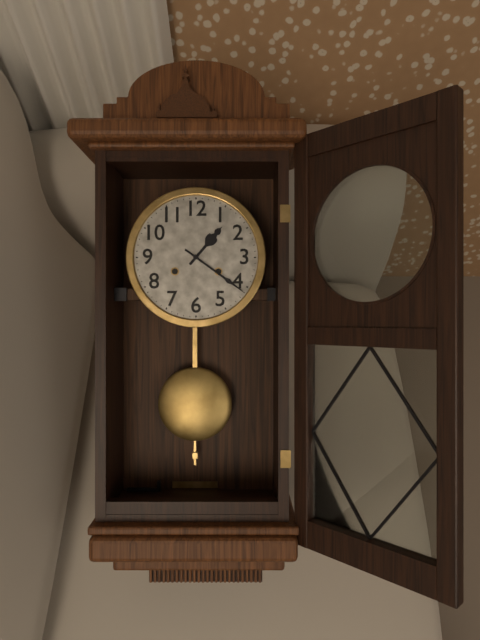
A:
1,21
